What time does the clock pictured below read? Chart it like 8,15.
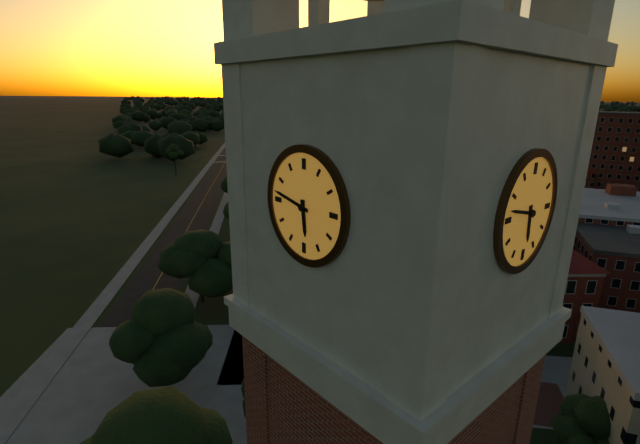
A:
5,47
